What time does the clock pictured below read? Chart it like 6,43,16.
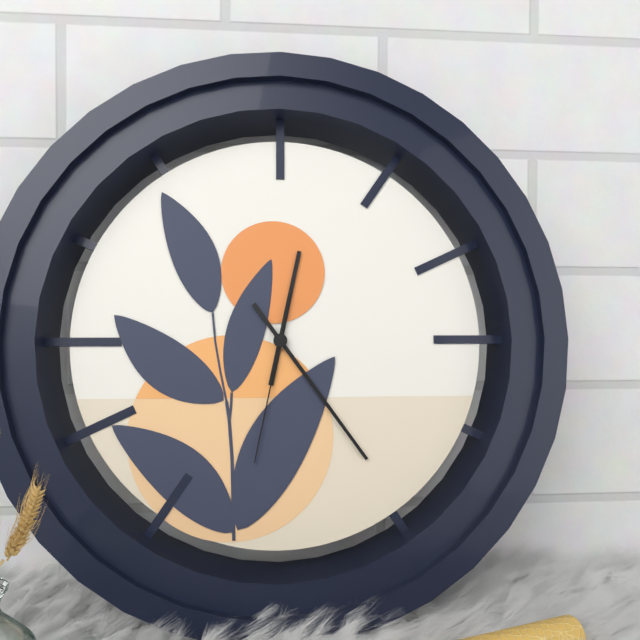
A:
12,24,32
